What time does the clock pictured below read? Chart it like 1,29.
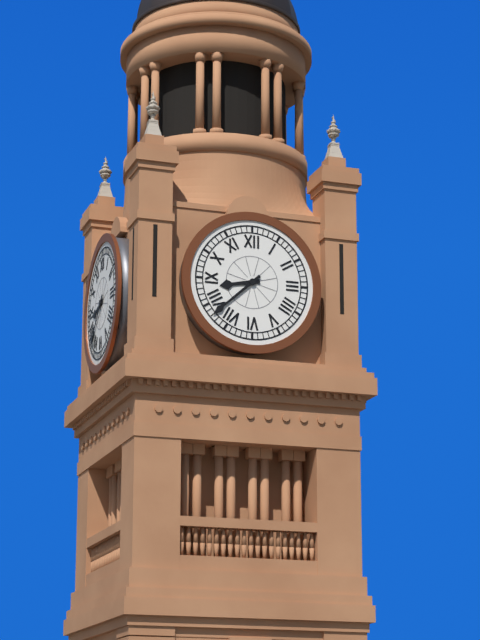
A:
8,38
